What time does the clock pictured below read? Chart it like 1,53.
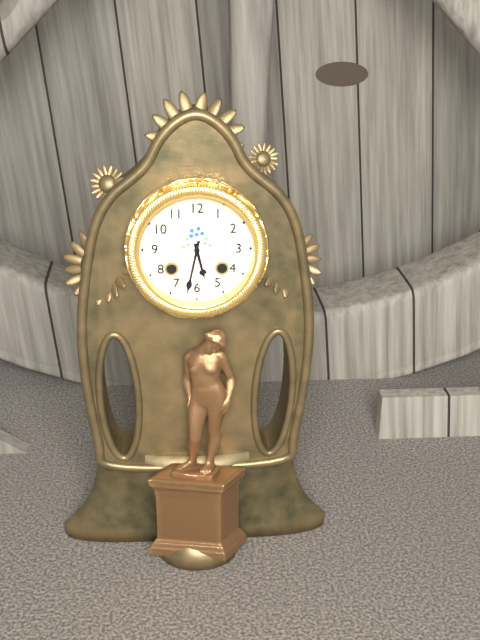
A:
5,32
